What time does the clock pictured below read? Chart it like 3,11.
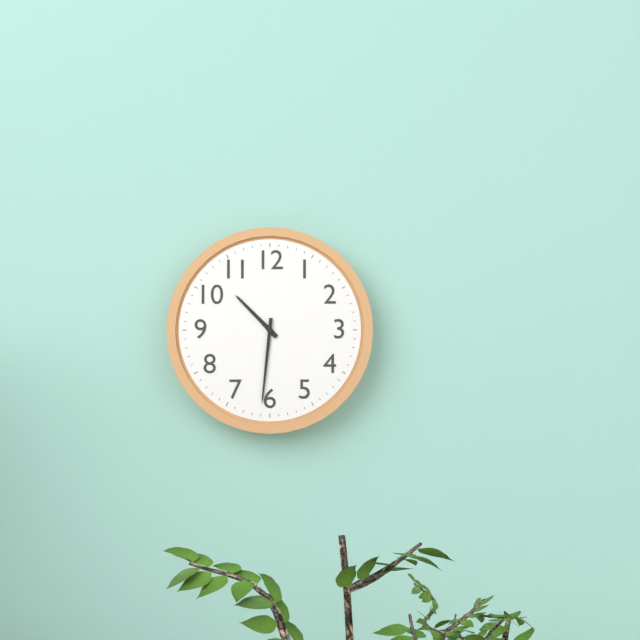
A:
10,31
